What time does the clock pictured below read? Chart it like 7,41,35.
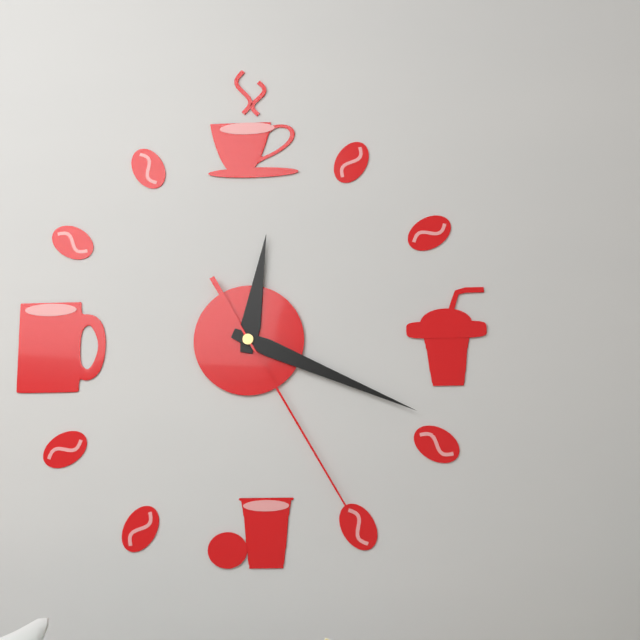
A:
12,19,25
